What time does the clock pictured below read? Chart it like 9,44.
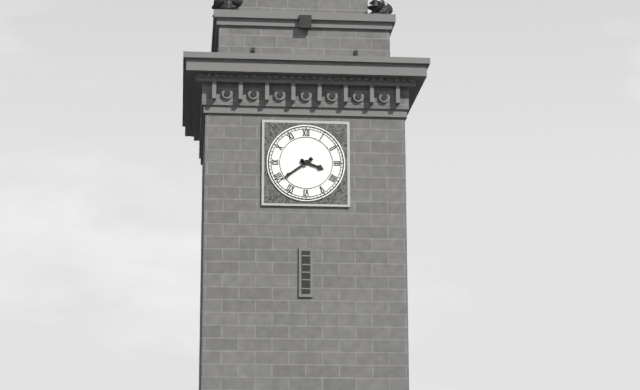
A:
3,39
